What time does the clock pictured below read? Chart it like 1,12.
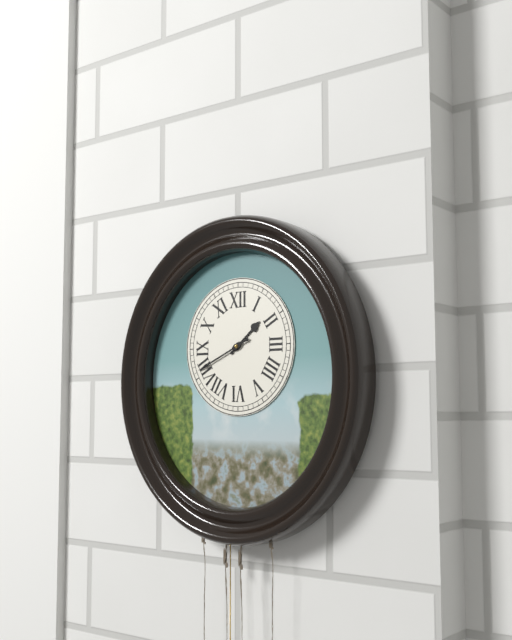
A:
1,41
